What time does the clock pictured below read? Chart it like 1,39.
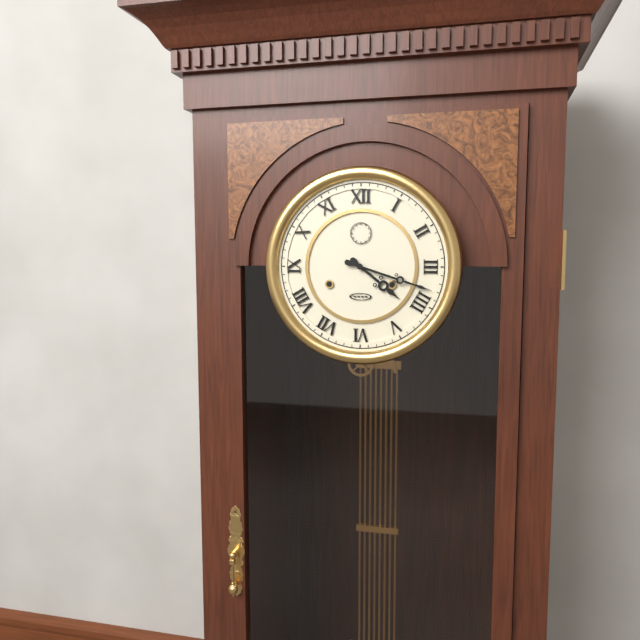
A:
4,18
